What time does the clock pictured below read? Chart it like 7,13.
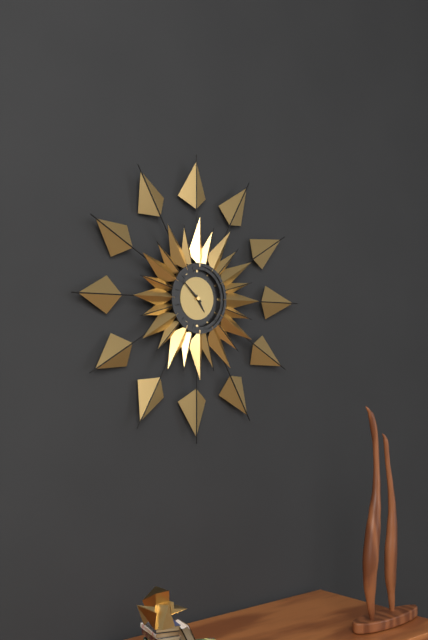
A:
4,52
